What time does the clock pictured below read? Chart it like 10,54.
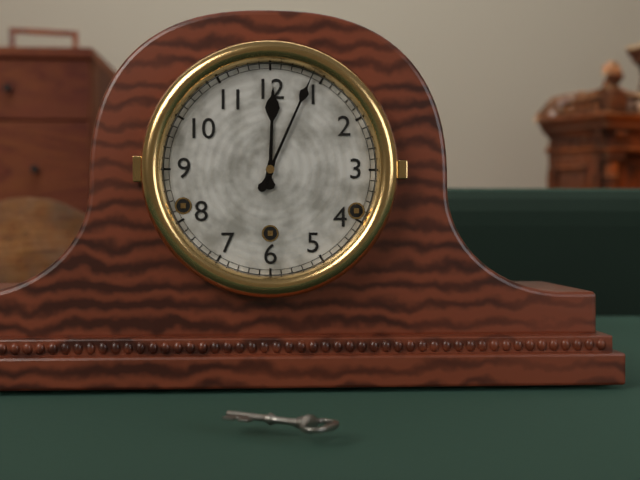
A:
12,04
